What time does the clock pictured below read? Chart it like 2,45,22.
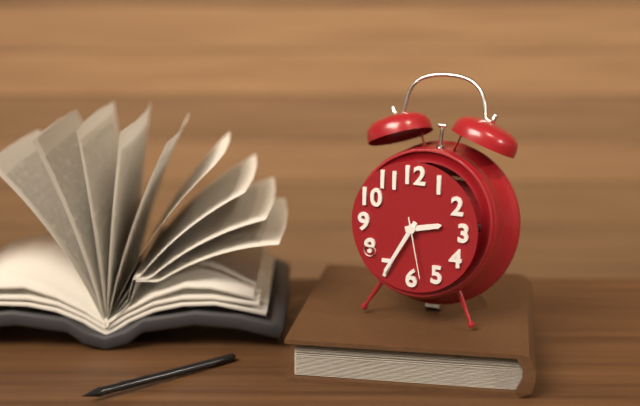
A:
2,35,28
